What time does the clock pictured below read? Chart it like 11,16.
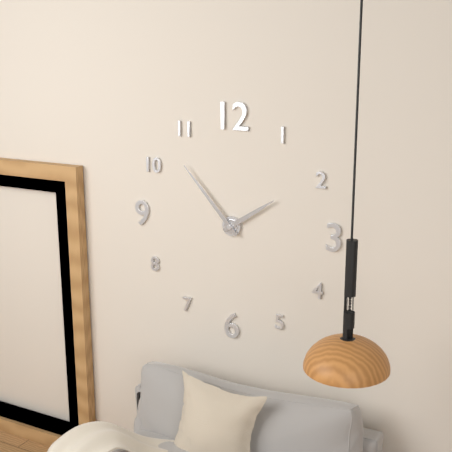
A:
1,53
